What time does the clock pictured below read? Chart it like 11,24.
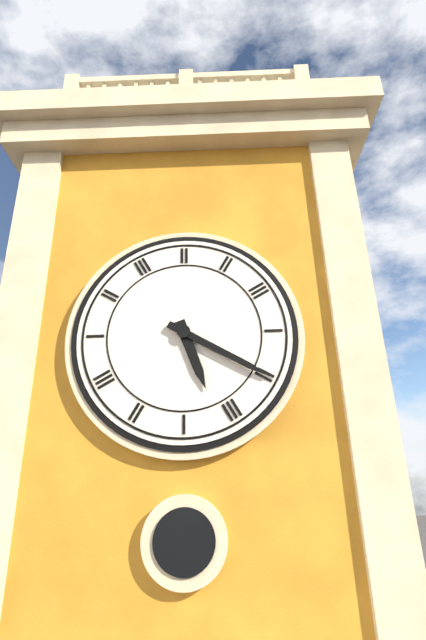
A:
5,20
